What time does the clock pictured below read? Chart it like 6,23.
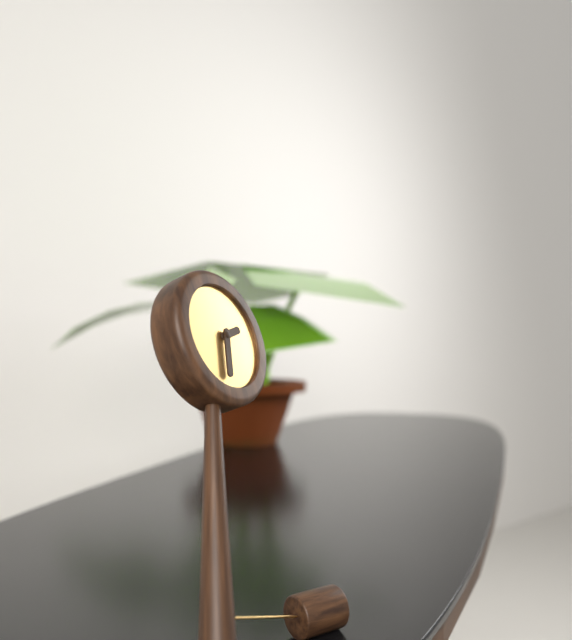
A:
2,33
